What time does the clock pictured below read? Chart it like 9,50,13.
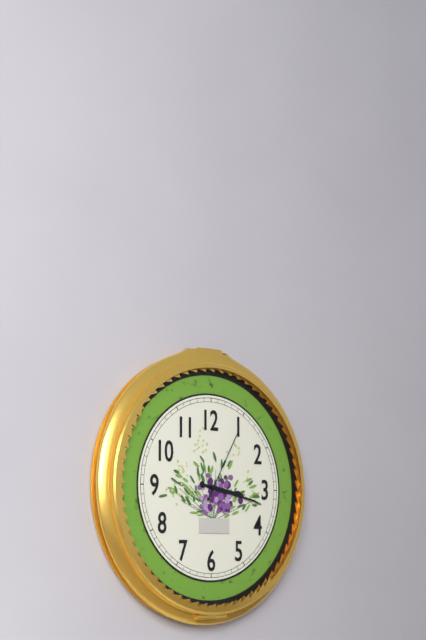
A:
3,17,05
